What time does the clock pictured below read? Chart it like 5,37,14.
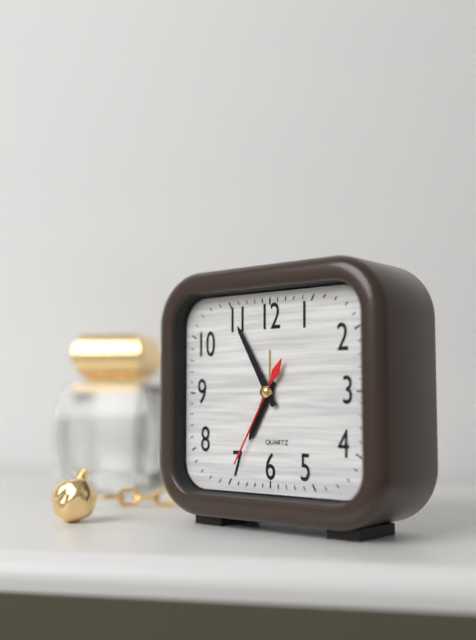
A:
6,55,35
